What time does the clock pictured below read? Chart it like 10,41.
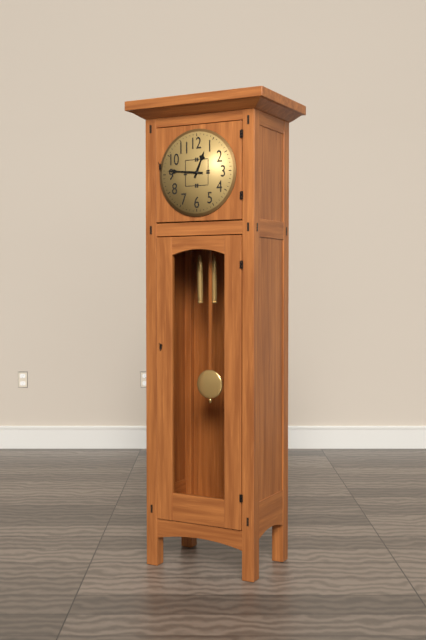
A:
12,46
